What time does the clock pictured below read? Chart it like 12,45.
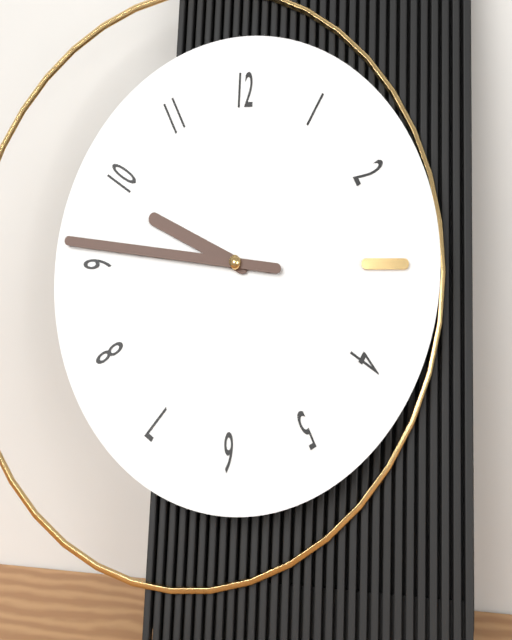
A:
9,46
